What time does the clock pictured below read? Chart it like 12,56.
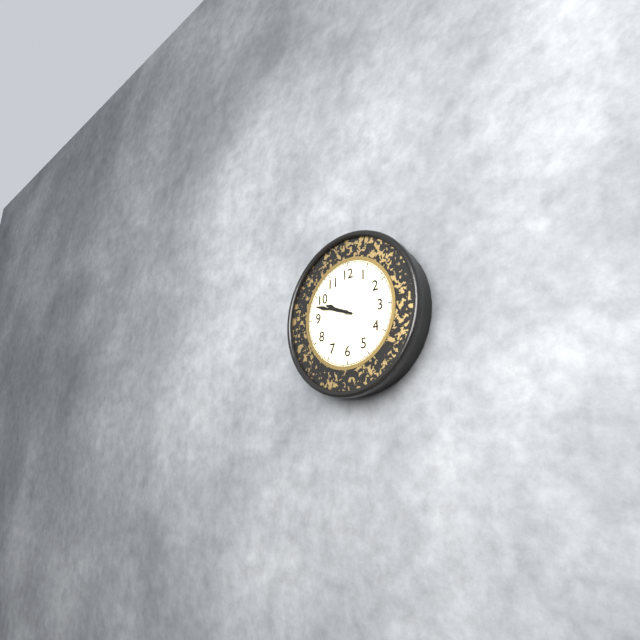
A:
9,48
